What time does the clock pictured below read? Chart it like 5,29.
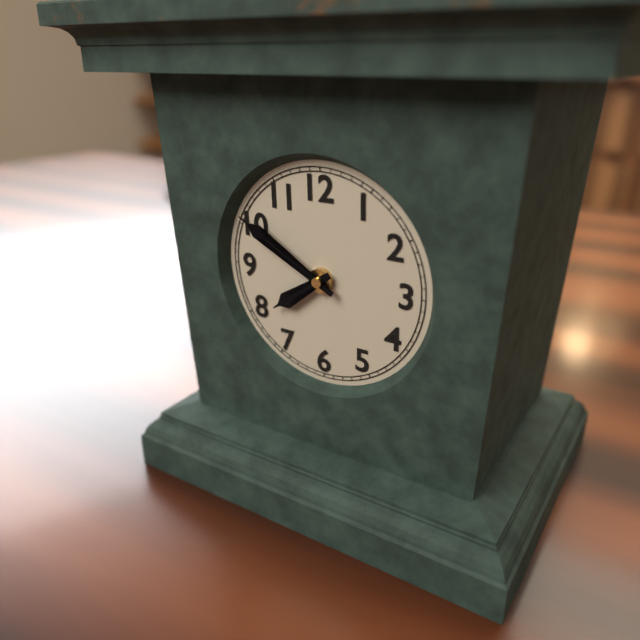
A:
7,50
